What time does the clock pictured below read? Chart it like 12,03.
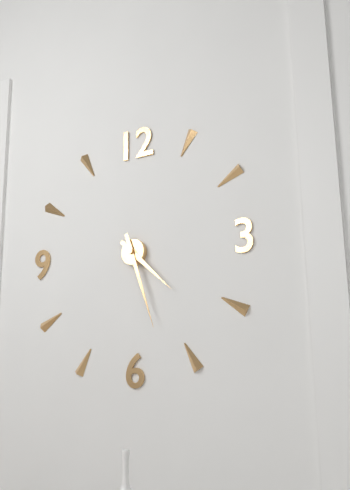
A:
4,27
